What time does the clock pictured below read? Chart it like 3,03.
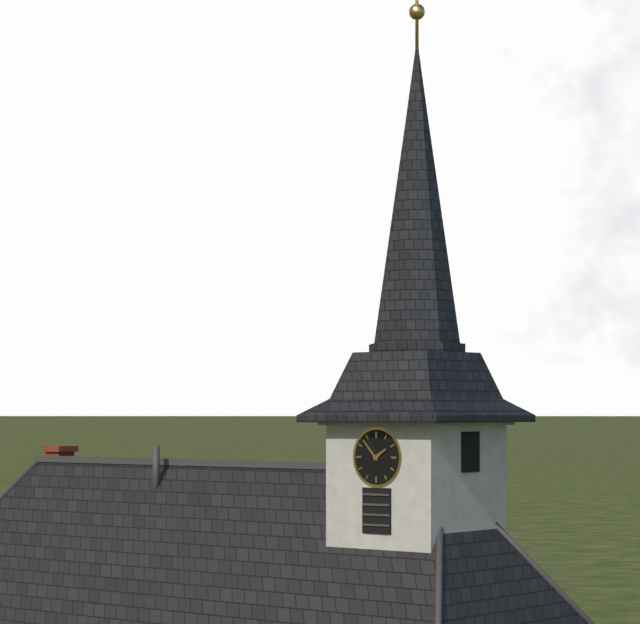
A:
1,53
